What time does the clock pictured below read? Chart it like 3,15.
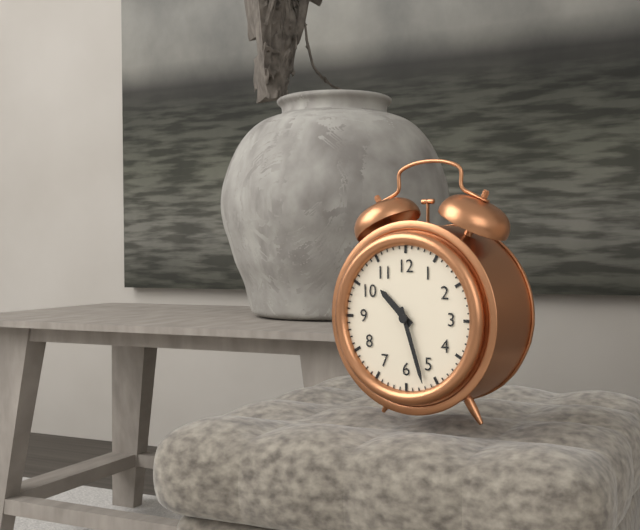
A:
10,27
